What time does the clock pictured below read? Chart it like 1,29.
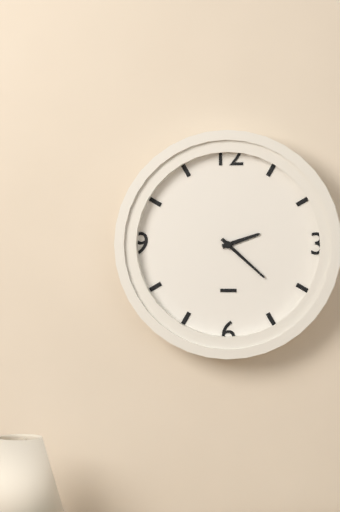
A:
2,22
